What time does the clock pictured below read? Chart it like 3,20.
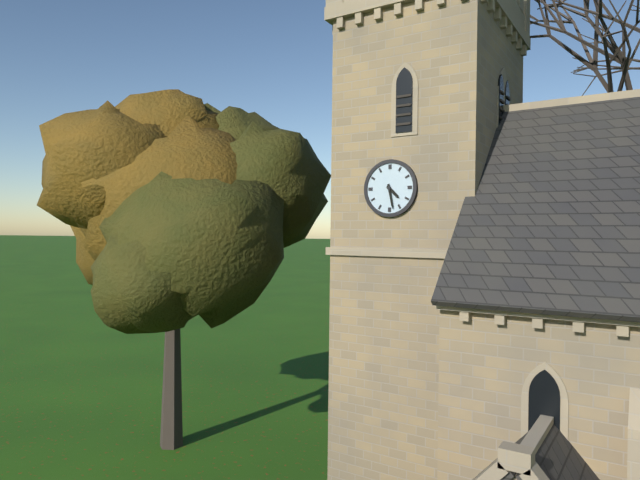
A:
4,28
